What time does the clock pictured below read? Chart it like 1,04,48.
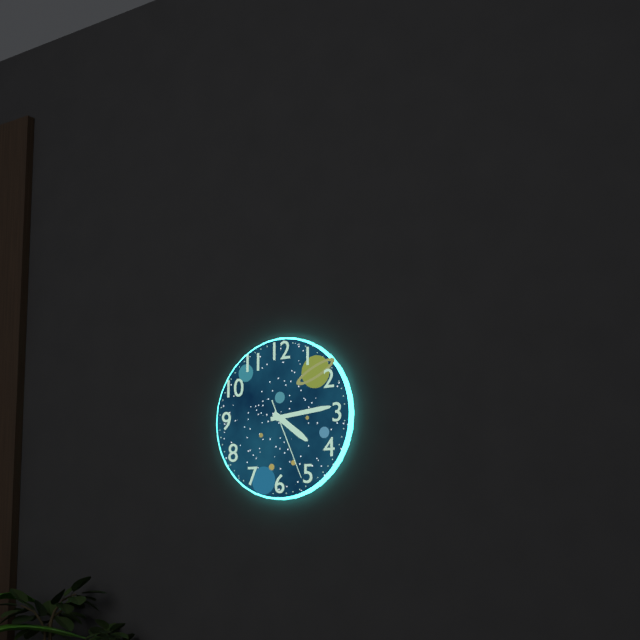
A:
4,14,26
